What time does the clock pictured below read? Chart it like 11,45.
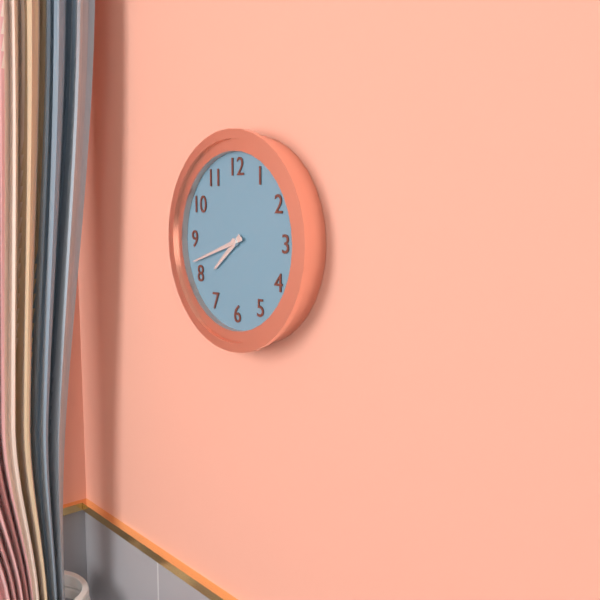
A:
7,42
